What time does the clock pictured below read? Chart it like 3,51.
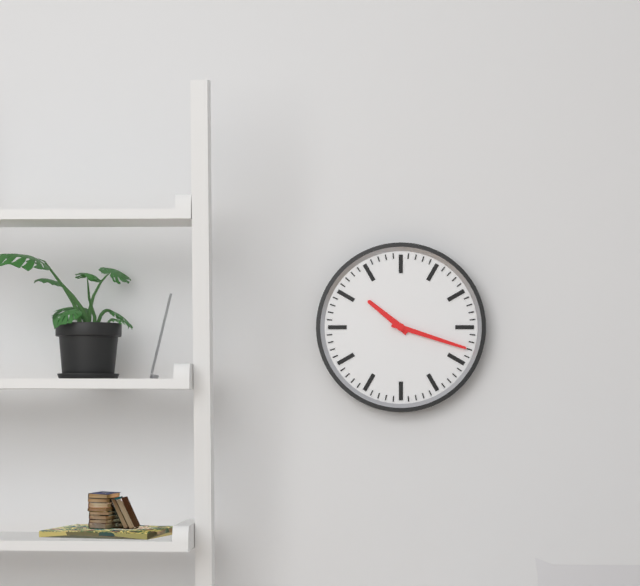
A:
10,18
